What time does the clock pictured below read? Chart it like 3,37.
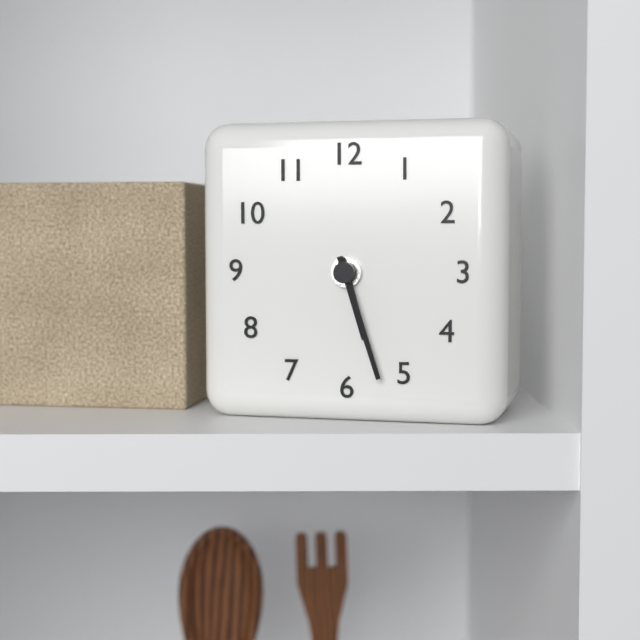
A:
5,27
